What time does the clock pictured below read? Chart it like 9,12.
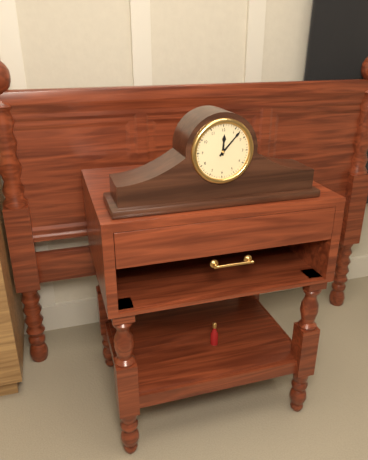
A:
12,07
